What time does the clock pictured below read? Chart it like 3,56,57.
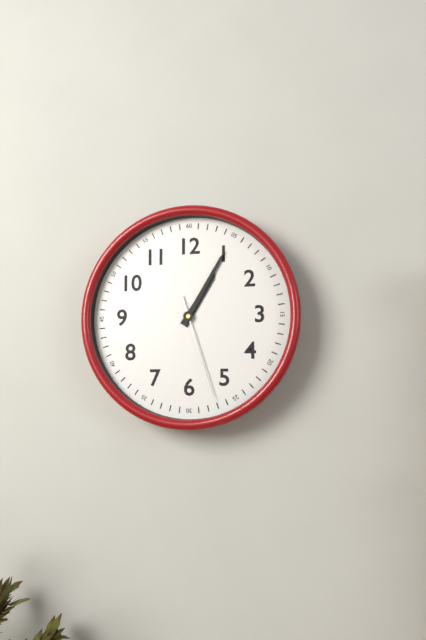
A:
1,05,27
